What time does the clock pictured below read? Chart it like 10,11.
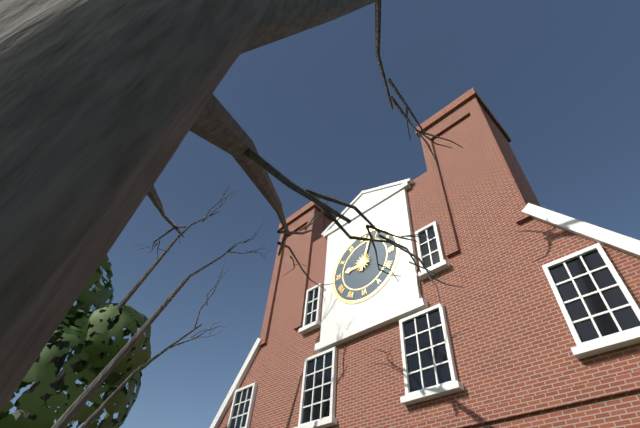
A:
9,03
